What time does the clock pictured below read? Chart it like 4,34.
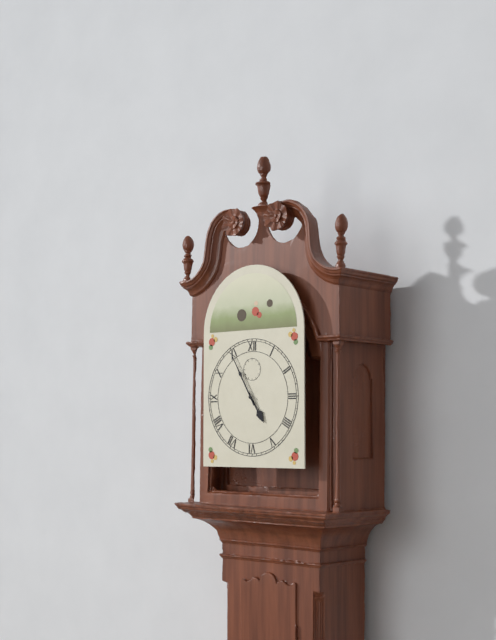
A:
4,55
